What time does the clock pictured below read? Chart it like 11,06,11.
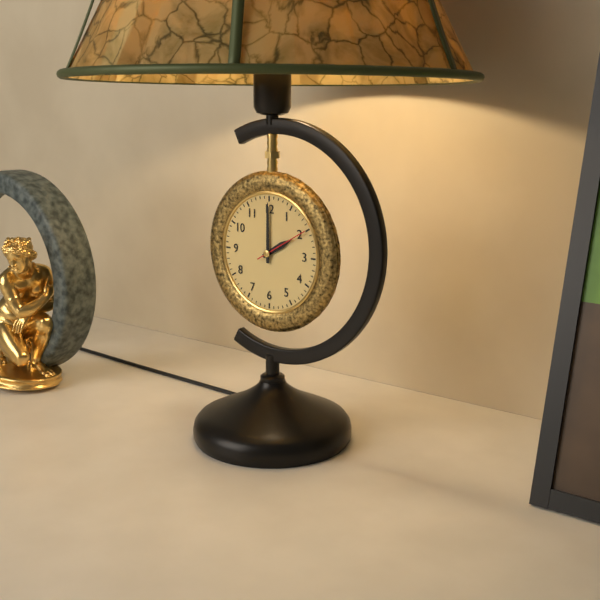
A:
2,00,10
